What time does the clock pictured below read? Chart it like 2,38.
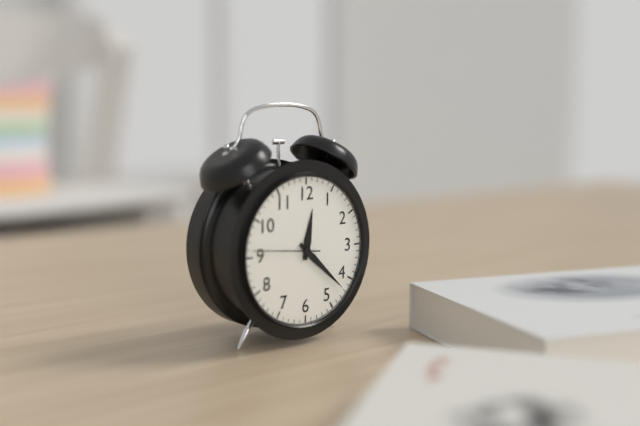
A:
12,22
